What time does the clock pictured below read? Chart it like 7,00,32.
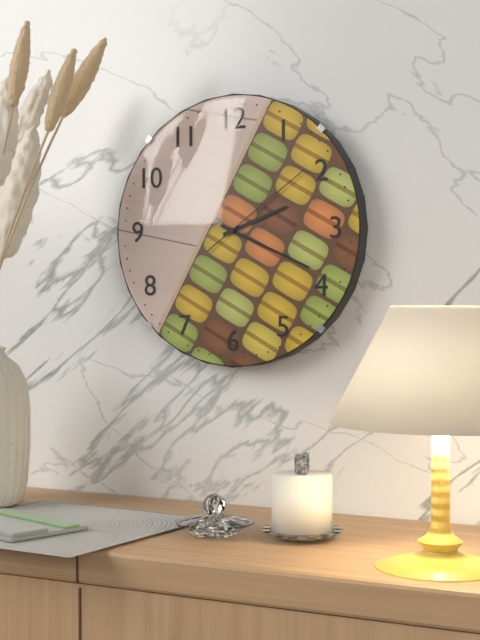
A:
2,19,09
